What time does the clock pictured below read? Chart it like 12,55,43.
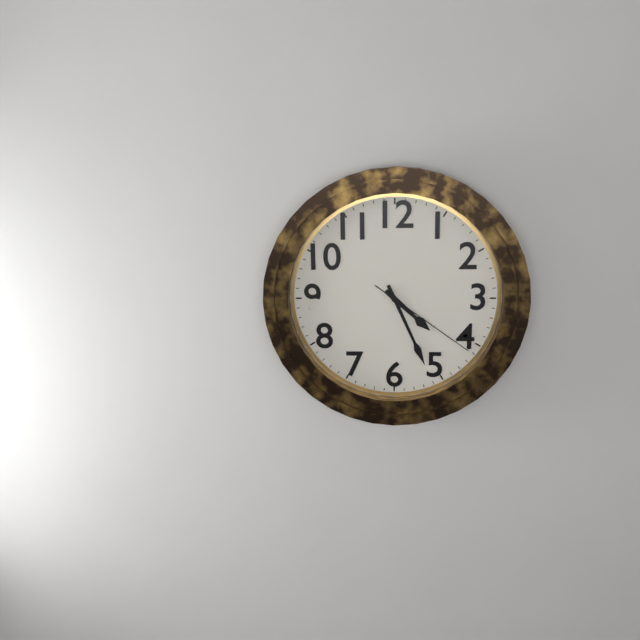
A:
4,26,21
